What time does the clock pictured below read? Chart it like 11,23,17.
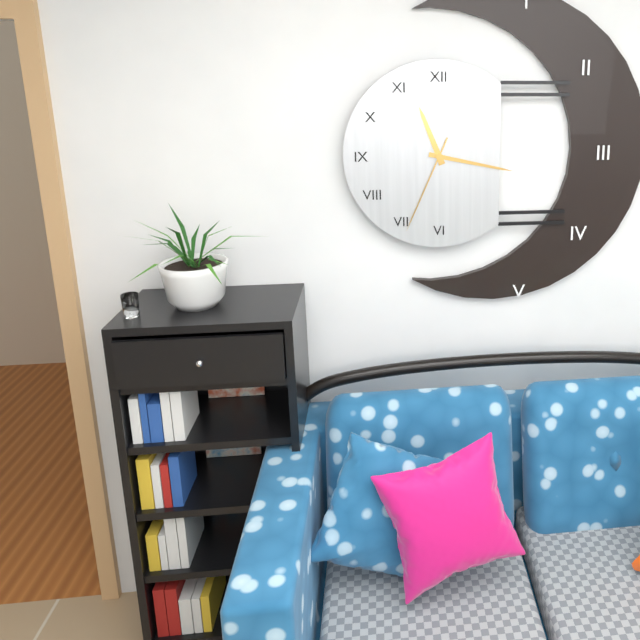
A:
11,17,34
